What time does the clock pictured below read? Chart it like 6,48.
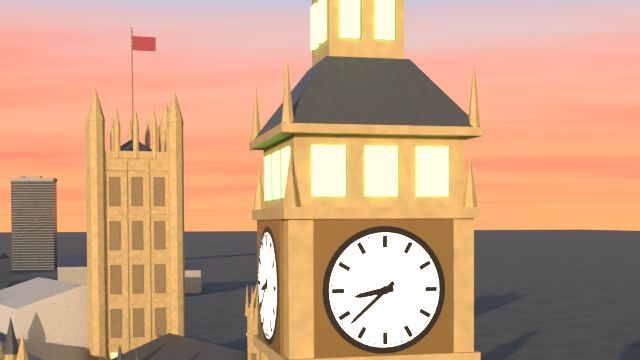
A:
8,38
